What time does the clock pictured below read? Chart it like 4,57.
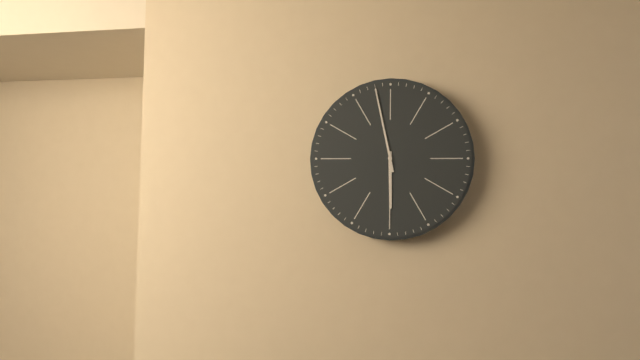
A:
5,58
